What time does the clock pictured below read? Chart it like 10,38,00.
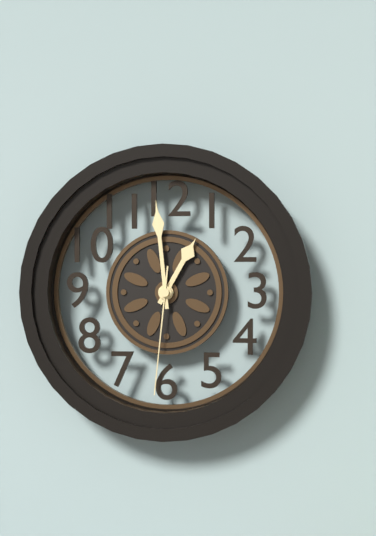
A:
12,59,31
